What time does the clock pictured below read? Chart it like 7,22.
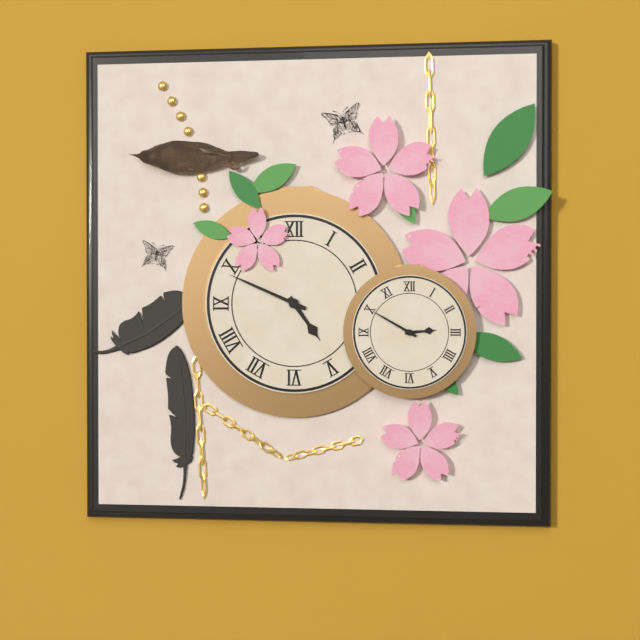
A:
4,49
